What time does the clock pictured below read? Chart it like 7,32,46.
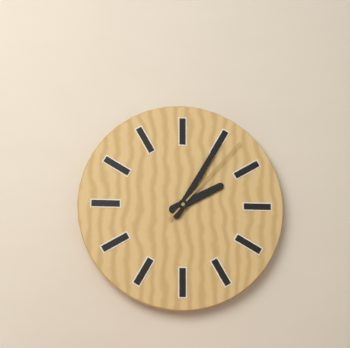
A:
2,05,07
